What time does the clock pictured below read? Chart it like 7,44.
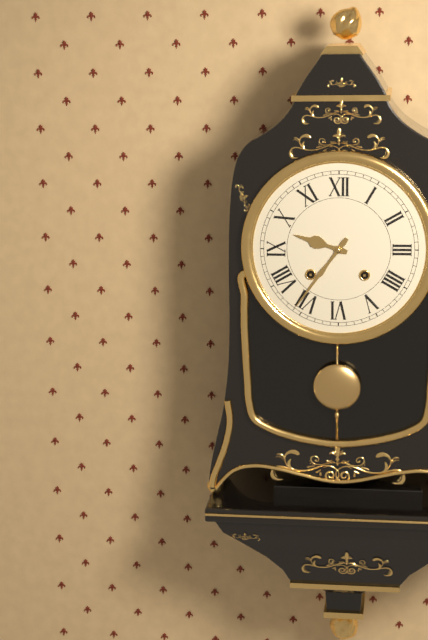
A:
9,36
